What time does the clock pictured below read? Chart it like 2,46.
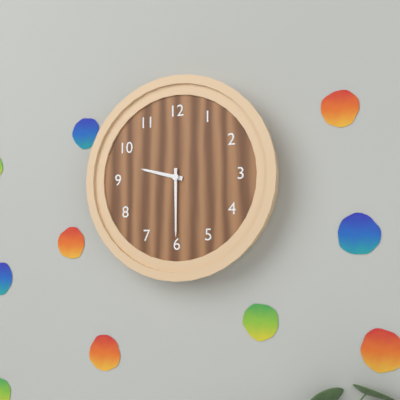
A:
9,30
